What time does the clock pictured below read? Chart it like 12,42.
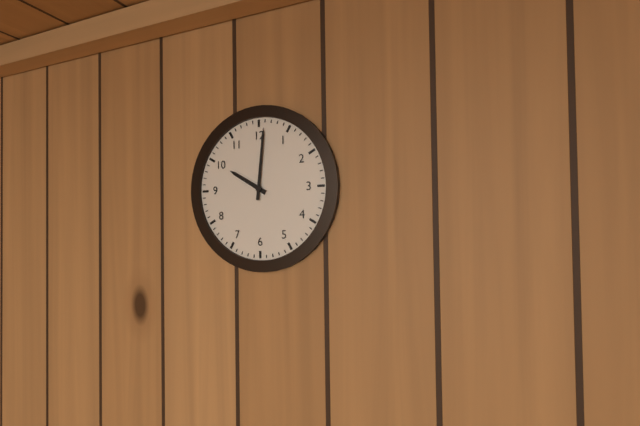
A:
10,01
